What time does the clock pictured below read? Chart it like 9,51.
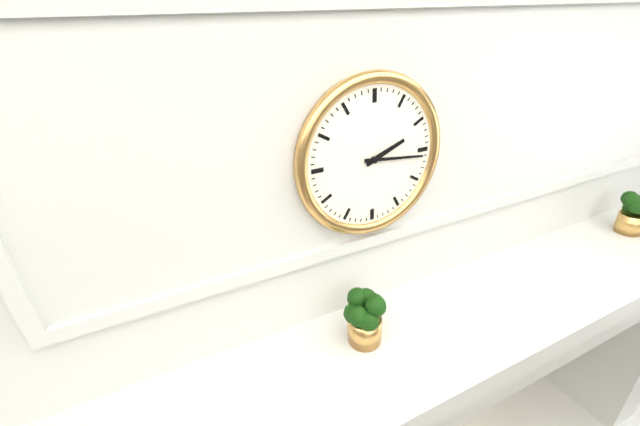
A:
2,16
